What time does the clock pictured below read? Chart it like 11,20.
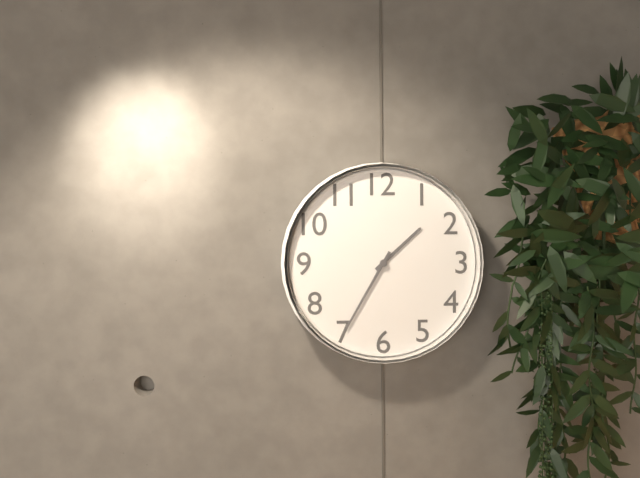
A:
1,35
